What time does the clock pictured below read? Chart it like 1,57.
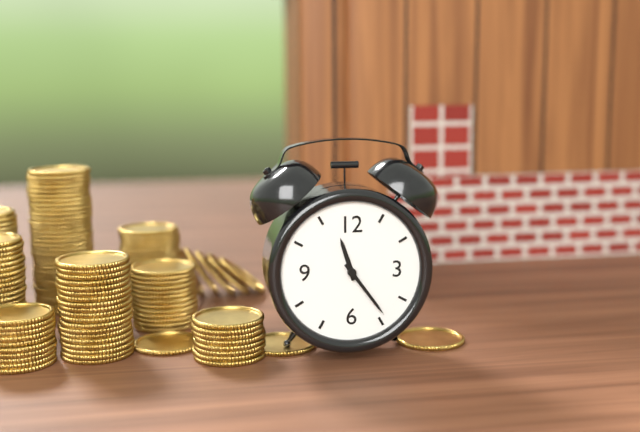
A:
11,24
